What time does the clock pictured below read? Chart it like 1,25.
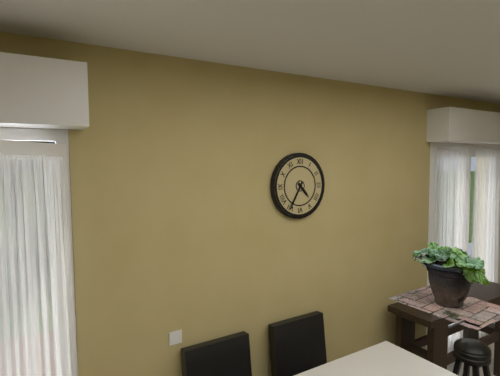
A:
4,35
